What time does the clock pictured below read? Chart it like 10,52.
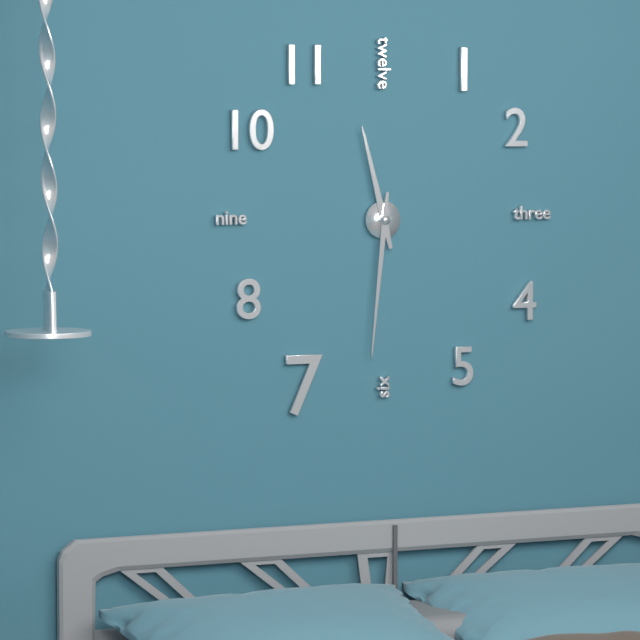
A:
11,31
